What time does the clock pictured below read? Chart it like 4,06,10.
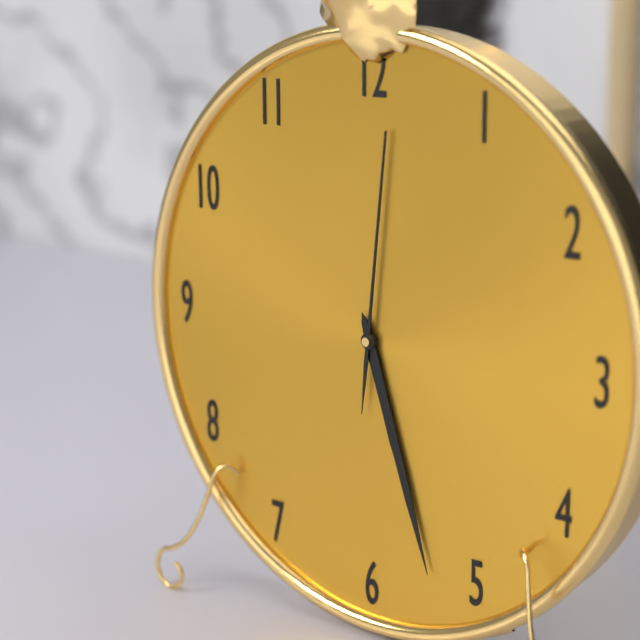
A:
5,27,01
